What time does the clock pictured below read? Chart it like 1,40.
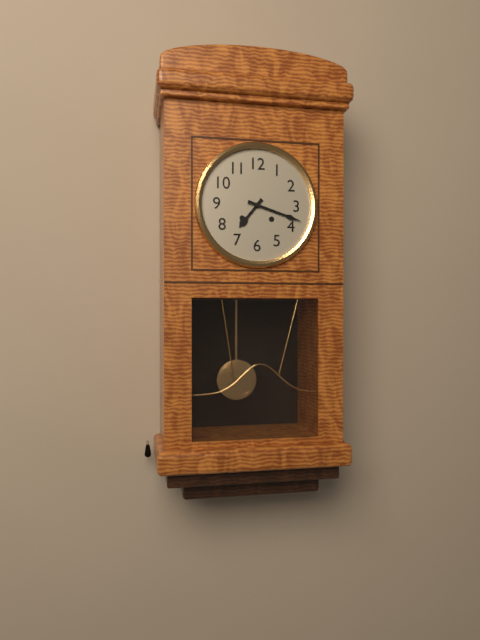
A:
7,18
